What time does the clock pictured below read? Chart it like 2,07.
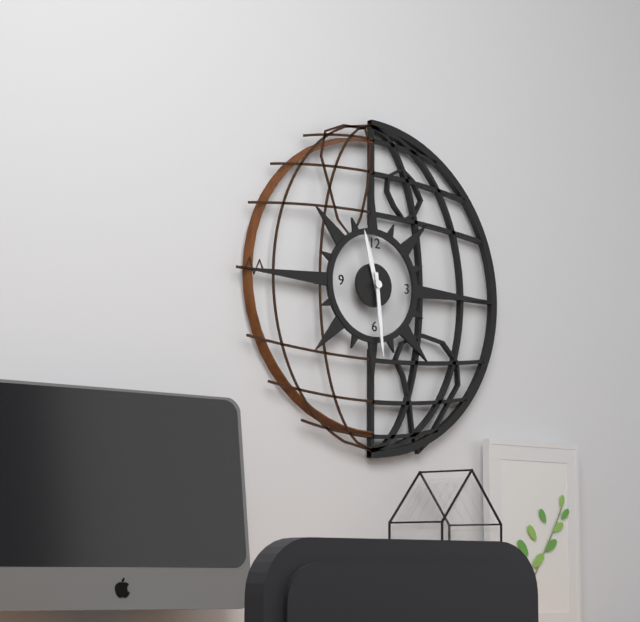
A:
11,29
